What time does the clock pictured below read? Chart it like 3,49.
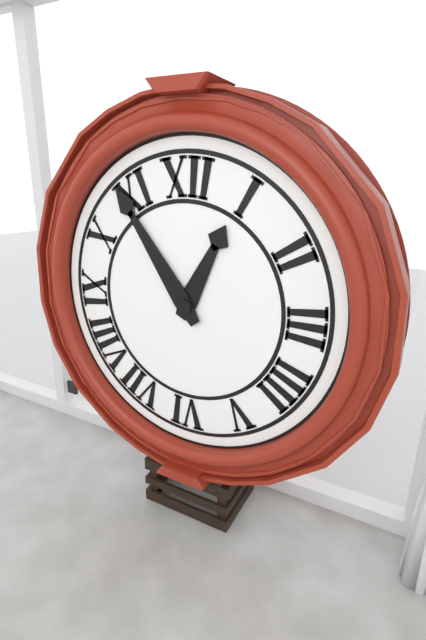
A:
12,54
